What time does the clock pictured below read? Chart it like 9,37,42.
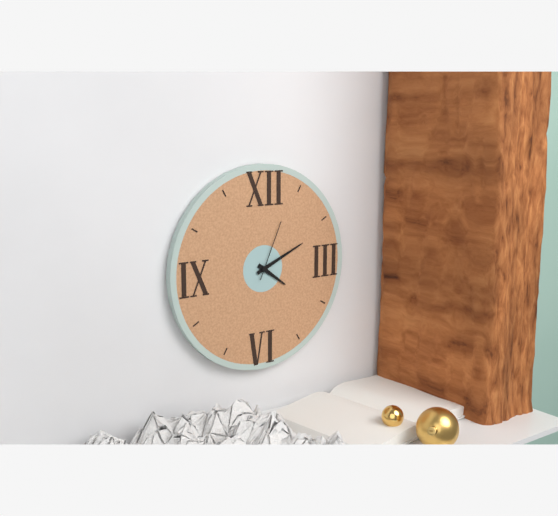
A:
4,11,04
